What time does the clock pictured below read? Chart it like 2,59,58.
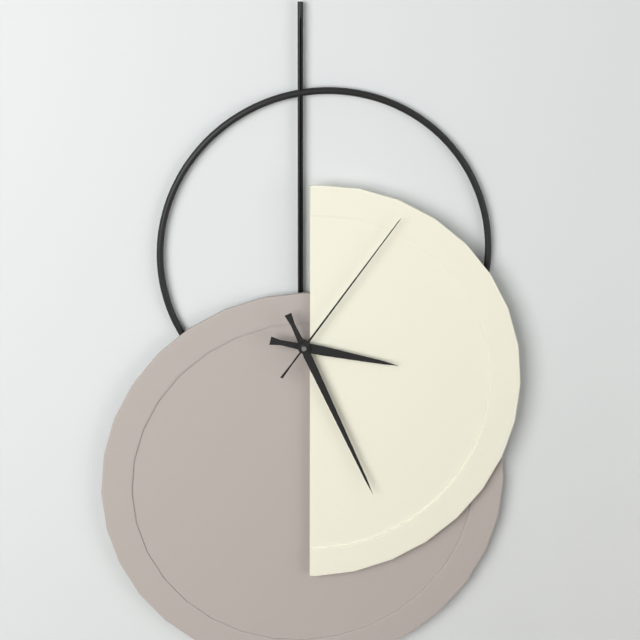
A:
3,26,06
